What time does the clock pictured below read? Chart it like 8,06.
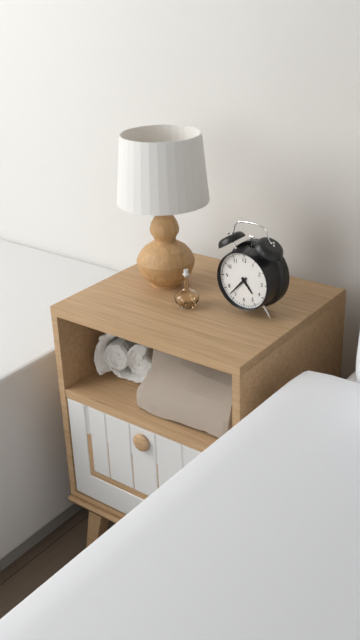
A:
4,37
